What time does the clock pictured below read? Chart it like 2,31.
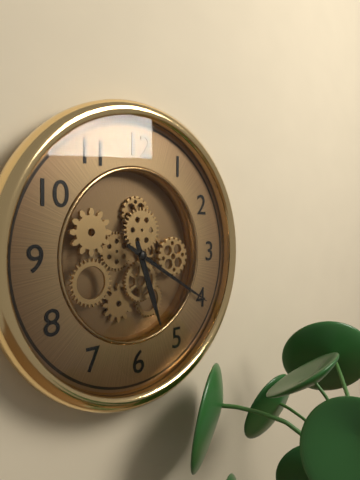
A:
5,20
